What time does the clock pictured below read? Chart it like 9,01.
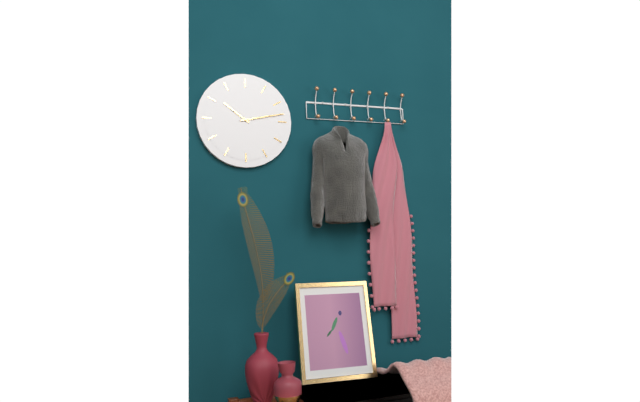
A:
10,13
